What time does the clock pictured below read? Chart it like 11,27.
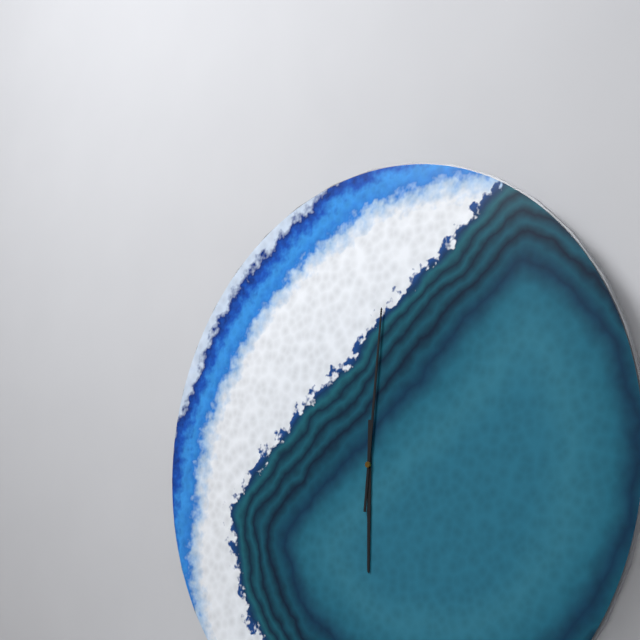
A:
6,01
